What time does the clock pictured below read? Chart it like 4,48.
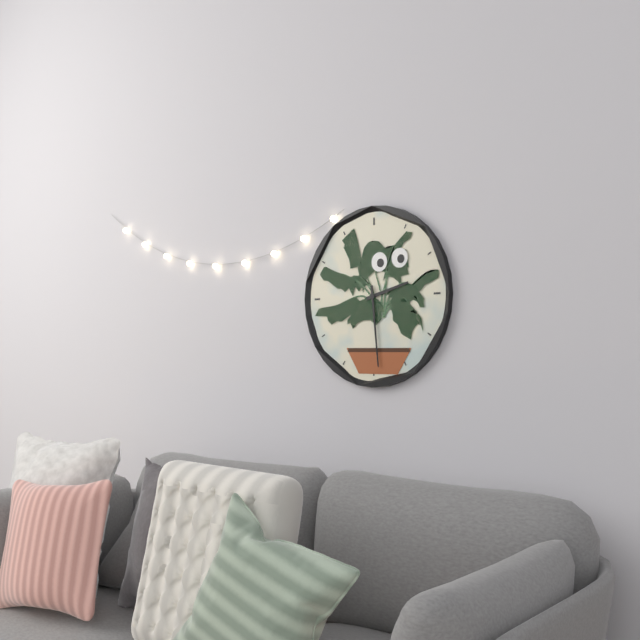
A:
2,29
